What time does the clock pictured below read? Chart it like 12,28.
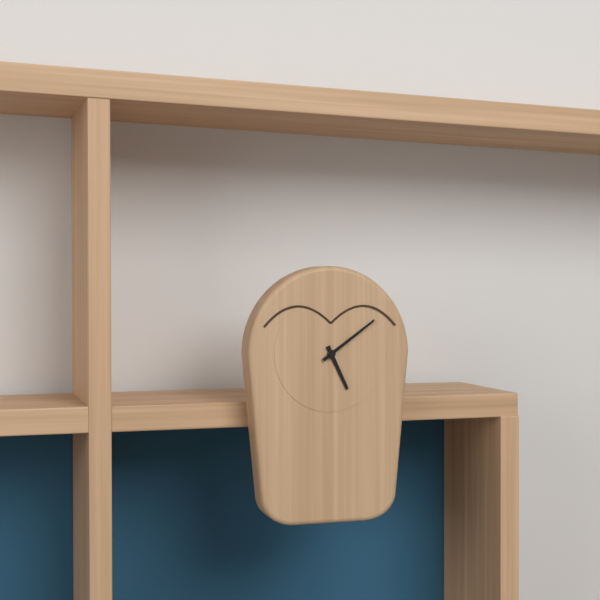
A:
5,09
